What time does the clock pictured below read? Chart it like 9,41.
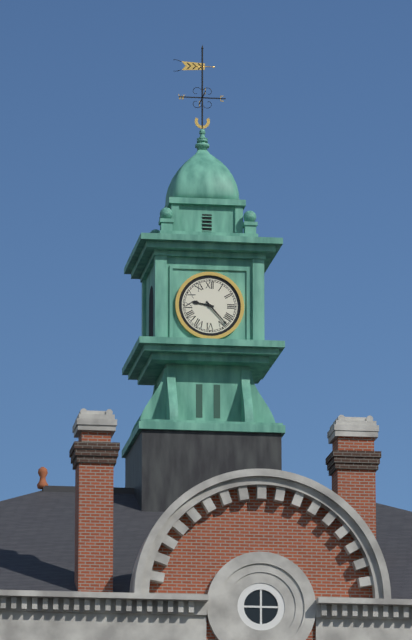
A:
9,23
